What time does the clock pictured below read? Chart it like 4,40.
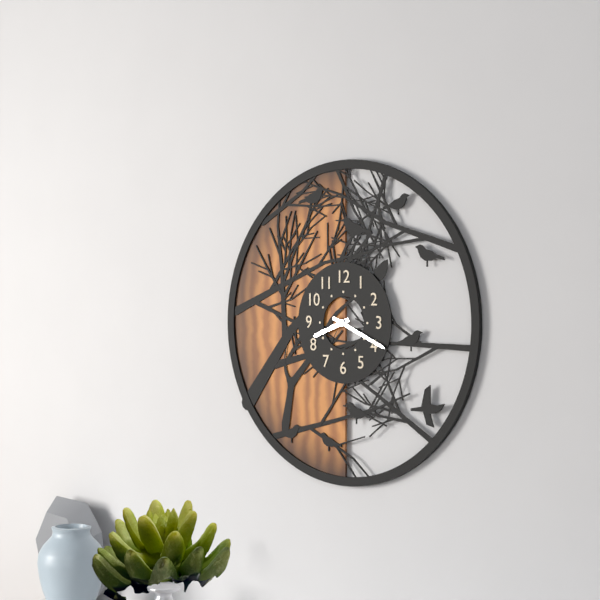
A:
8,19
